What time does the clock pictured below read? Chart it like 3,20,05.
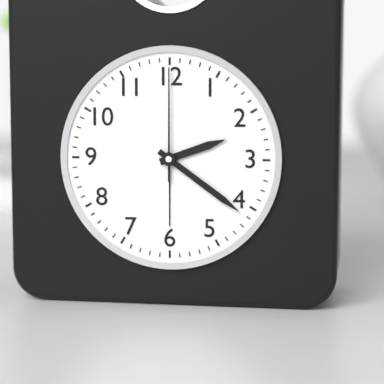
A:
2,21,00
